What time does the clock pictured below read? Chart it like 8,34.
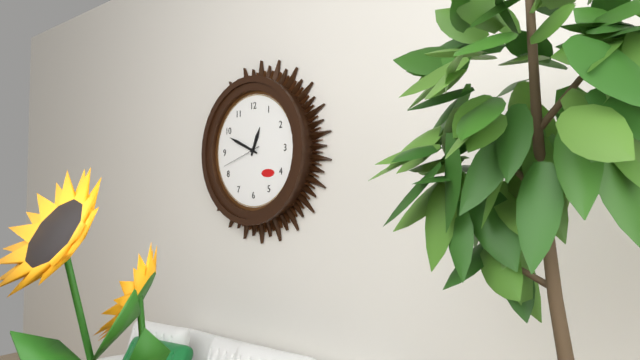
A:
12,49
